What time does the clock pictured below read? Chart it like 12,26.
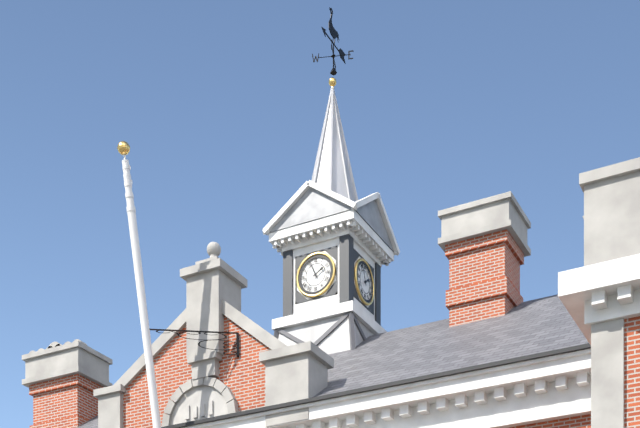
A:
1,56
